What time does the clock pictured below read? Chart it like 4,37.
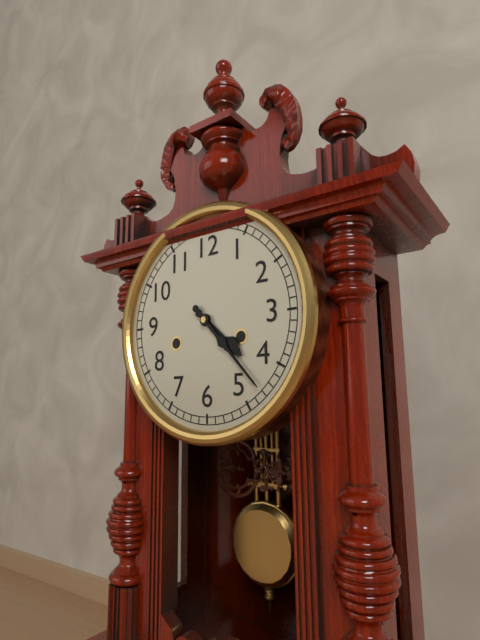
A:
4,23
